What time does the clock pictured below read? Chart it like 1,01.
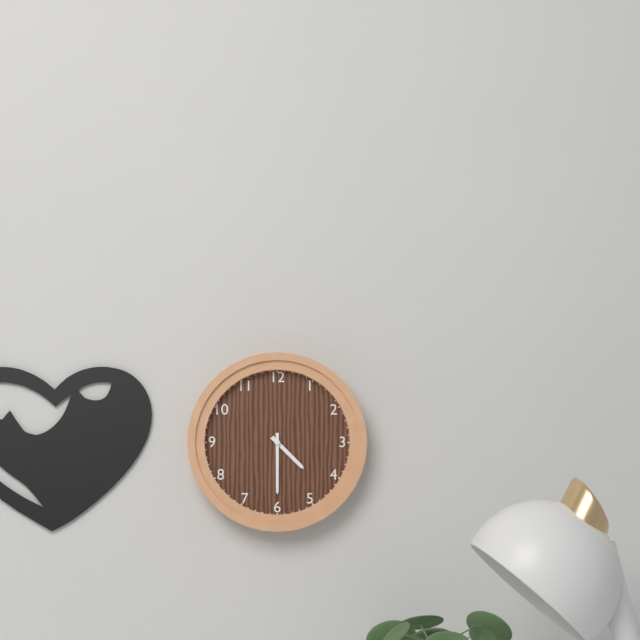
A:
4,30
